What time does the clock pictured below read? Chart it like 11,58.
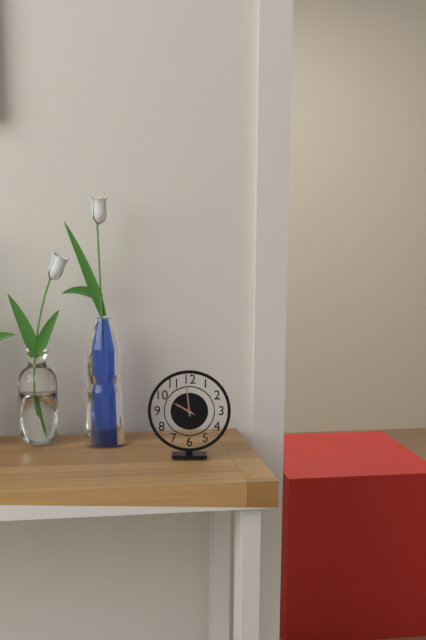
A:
9,59
